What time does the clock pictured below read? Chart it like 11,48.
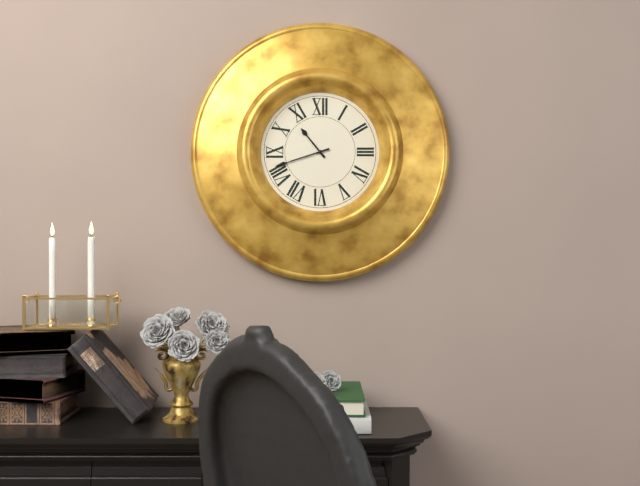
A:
10,42
